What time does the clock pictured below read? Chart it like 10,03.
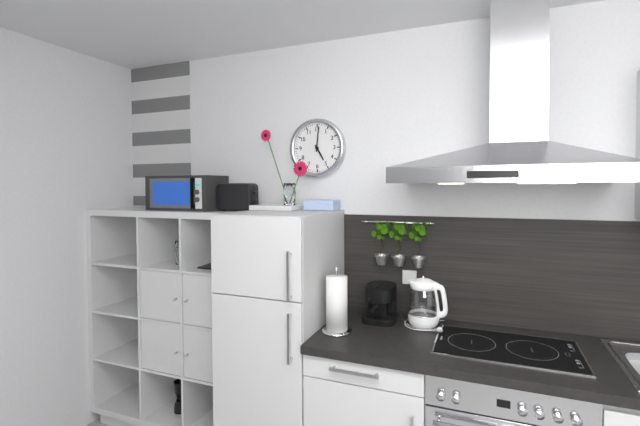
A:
5,01
